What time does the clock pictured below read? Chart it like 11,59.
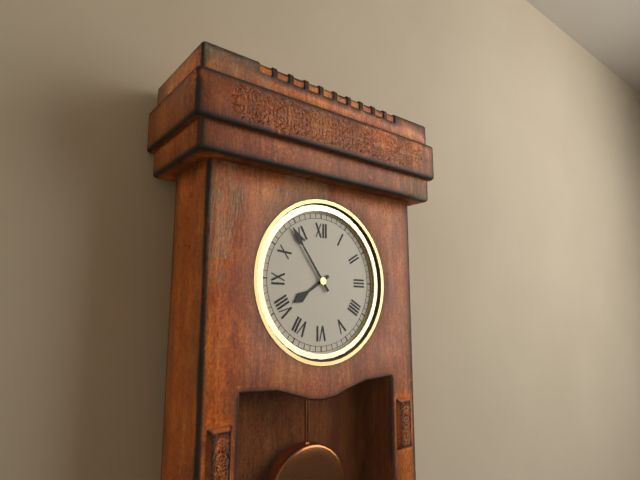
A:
7,54
